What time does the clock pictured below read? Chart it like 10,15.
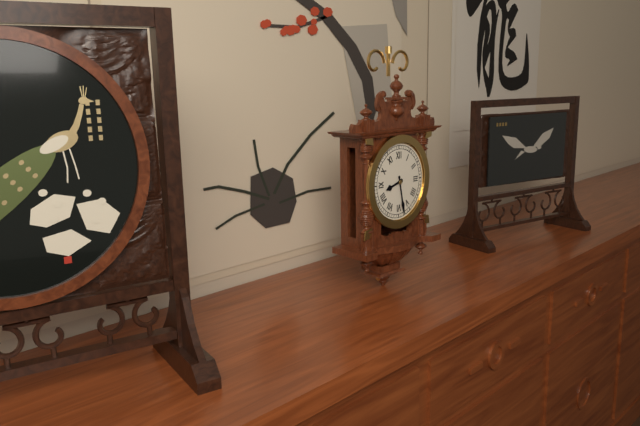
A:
8,28
